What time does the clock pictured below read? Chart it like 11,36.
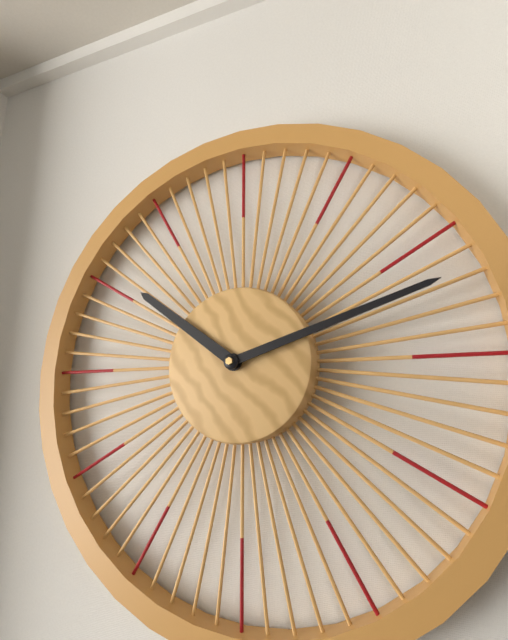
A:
10,12
